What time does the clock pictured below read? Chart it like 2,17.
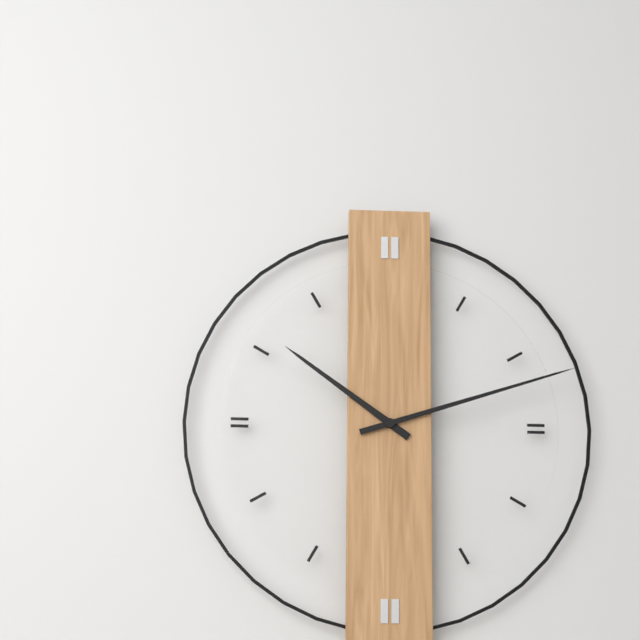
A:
10,12
